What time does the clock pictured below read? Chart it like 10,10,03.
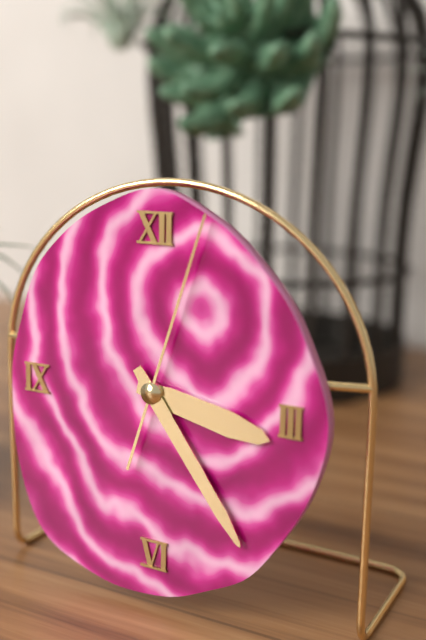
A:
3,24,03
